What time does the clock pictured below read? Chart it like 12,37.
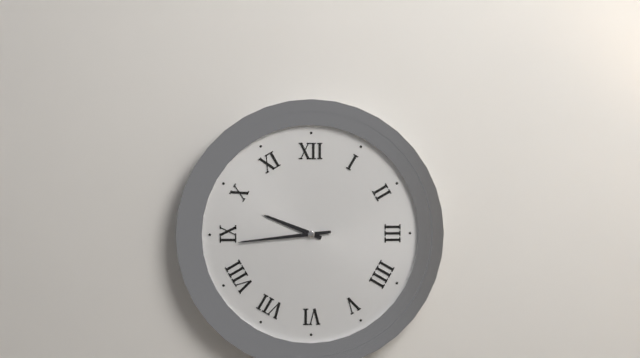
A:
9,44
